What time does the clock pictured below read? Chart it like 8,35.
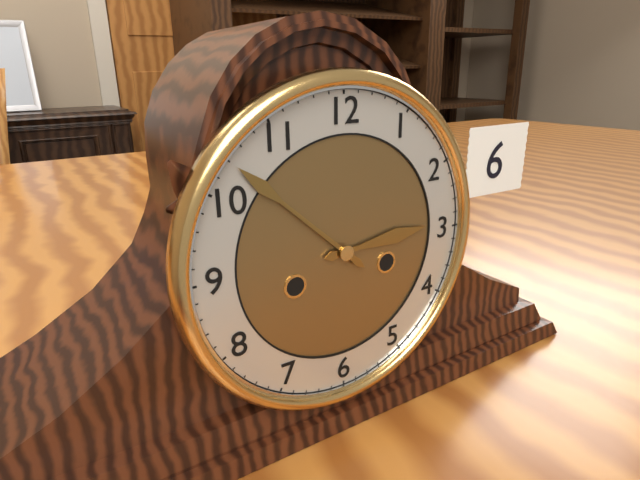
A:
2,52
